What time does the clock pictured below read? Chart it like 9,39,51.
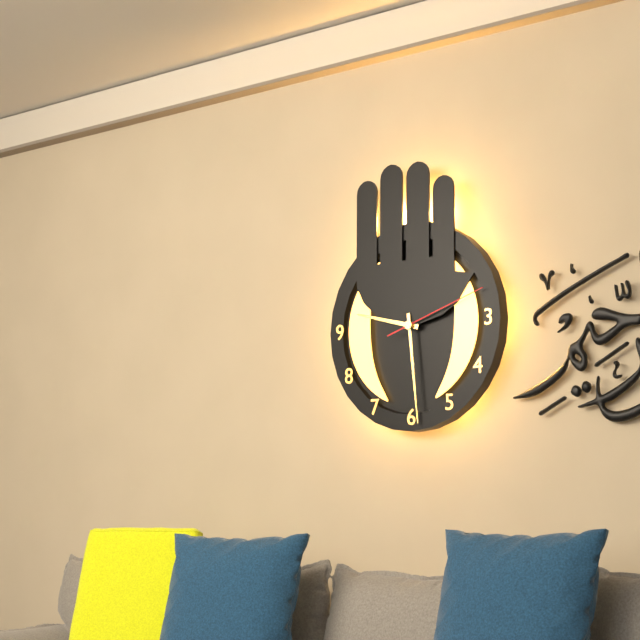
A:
9,29,12
